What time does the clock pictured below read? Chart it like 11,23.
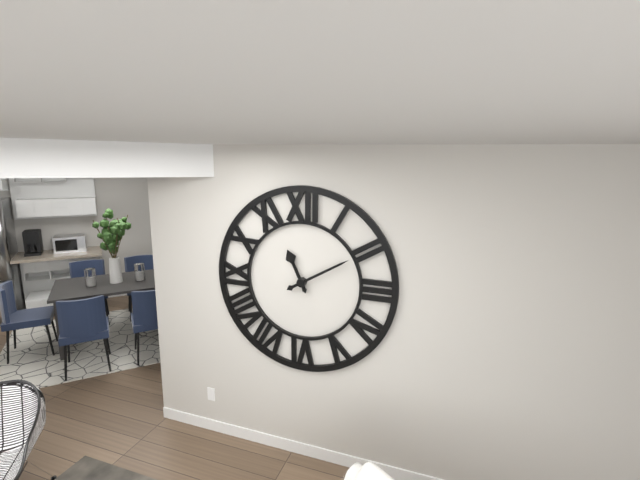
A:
11,10
